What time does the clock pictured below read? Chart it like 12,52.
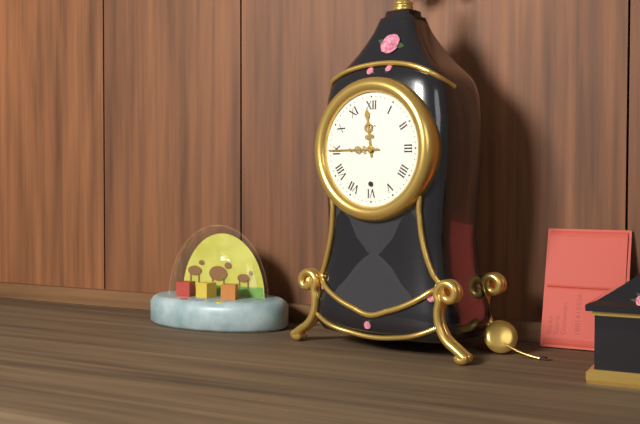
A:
11,45
